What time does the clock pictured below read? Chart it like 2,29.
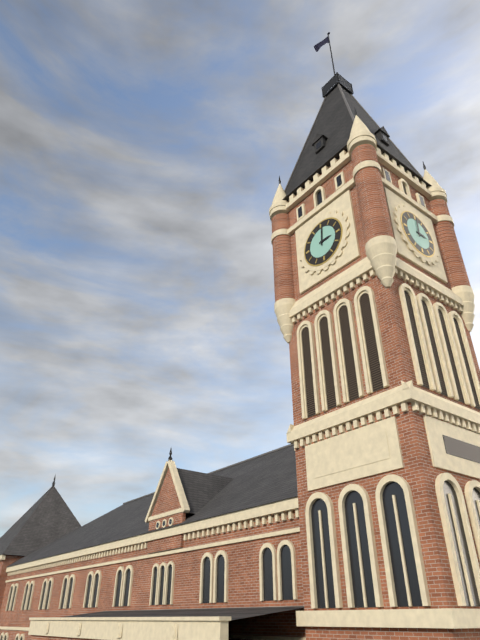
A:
3,01
